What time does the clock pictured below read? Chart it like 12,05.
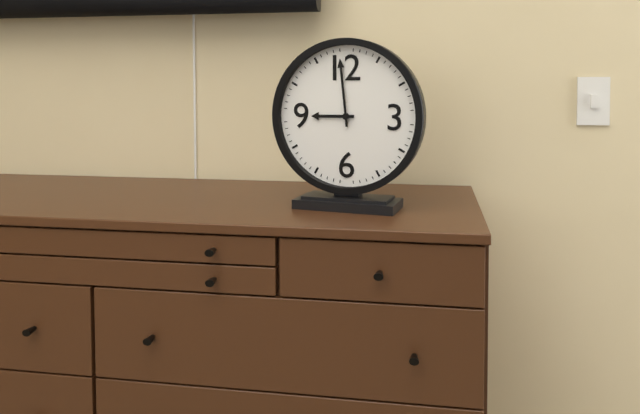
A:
8,59
